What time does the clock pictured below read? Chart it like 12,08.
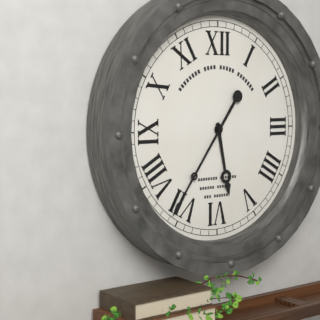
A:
5,36
